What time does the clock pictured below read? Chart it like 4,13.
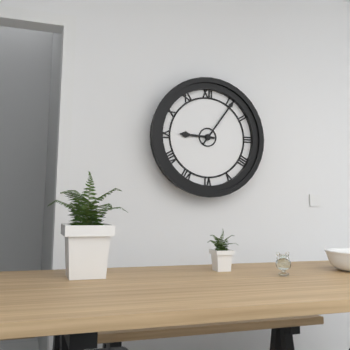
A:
9,06
